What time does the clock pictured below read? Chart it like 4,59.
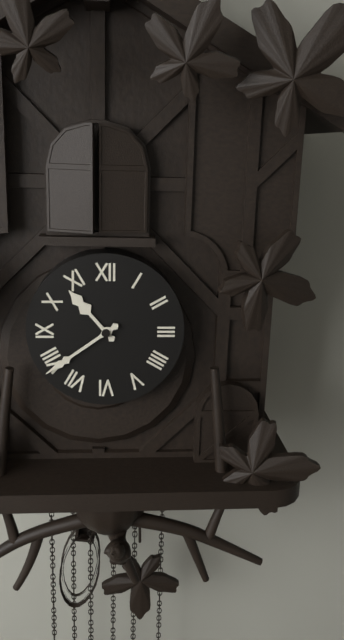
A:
10,39
